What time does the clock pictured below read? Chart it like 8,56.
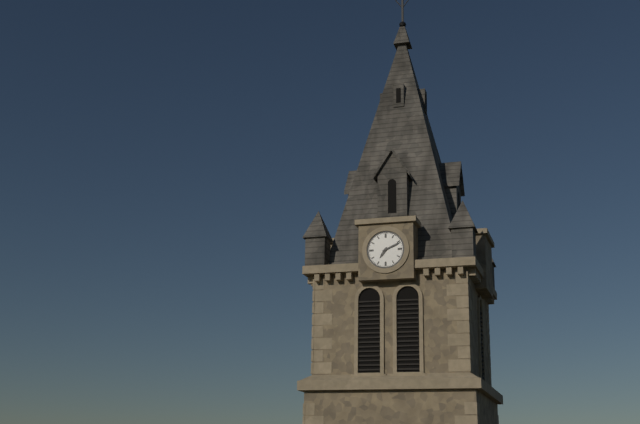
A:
7,11
